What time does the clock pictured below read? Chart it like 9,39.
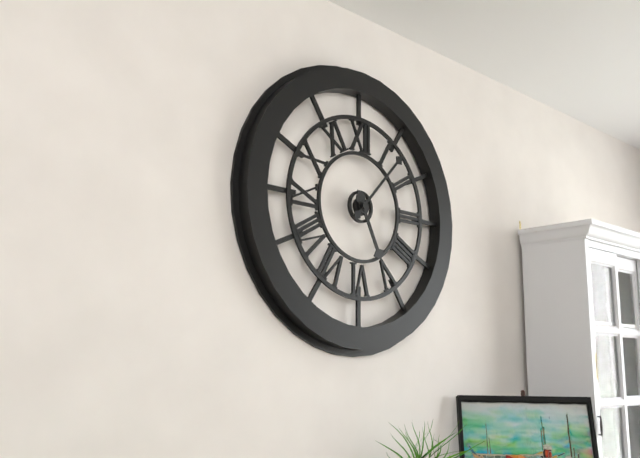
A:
5,07
